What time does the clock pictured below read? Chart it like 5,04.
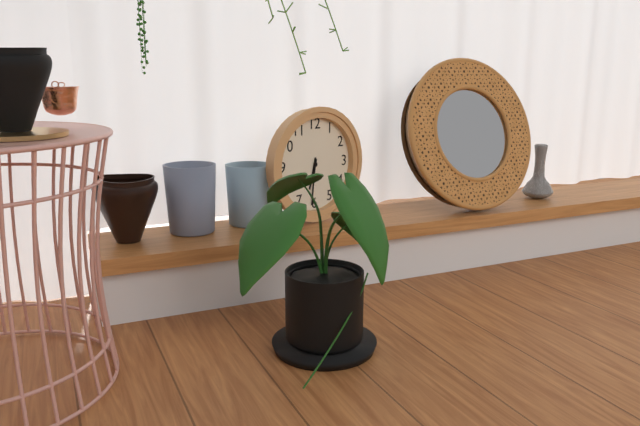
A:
6,31
